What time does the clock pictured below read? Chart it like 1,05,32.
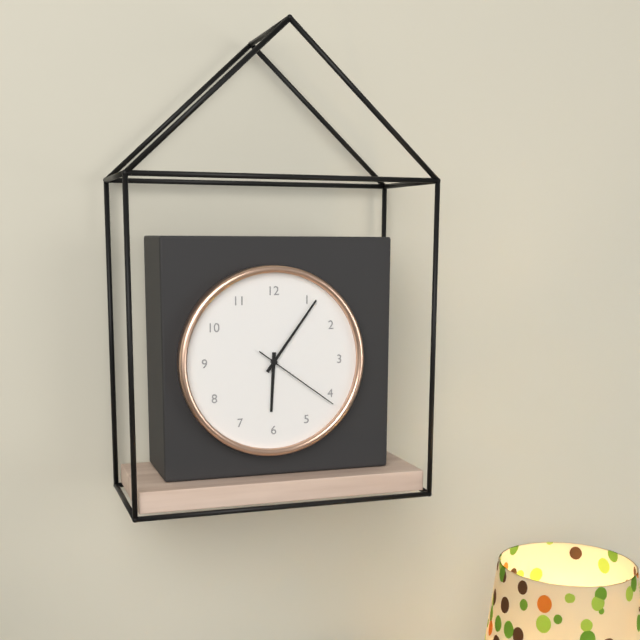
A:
6,06,21
